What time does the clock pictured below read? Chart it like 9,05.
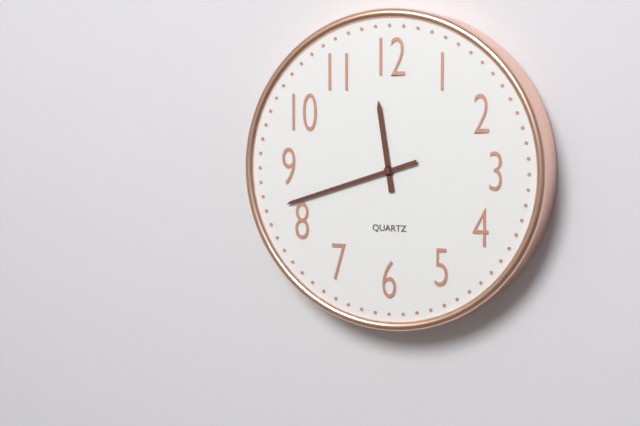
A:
11,42
